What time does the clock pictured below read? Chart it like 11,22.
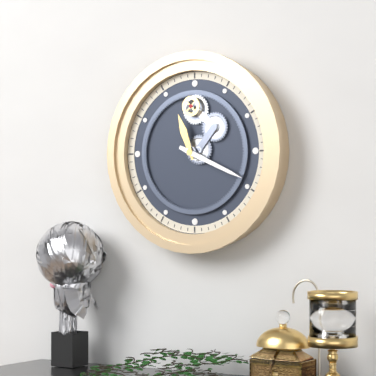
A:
11,19
